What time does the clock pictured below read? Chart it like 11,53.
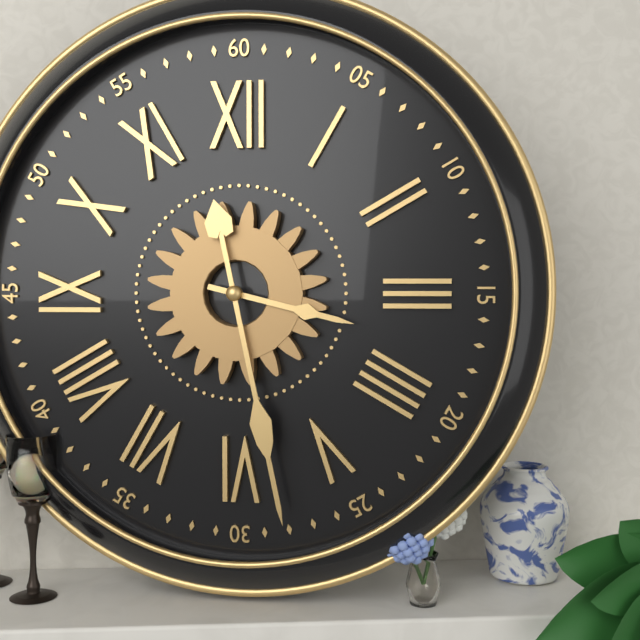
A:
3,28
